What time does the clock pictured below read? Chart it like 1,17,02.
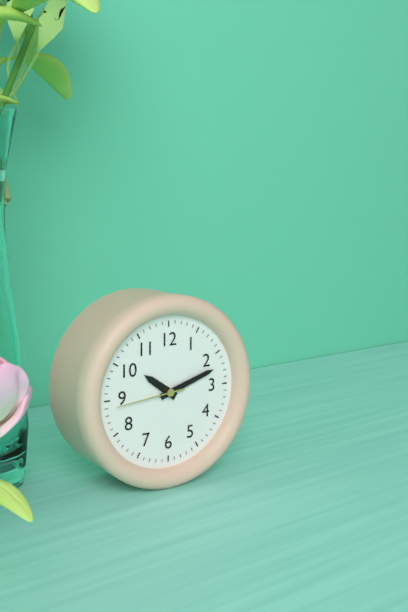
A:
10,12,44
